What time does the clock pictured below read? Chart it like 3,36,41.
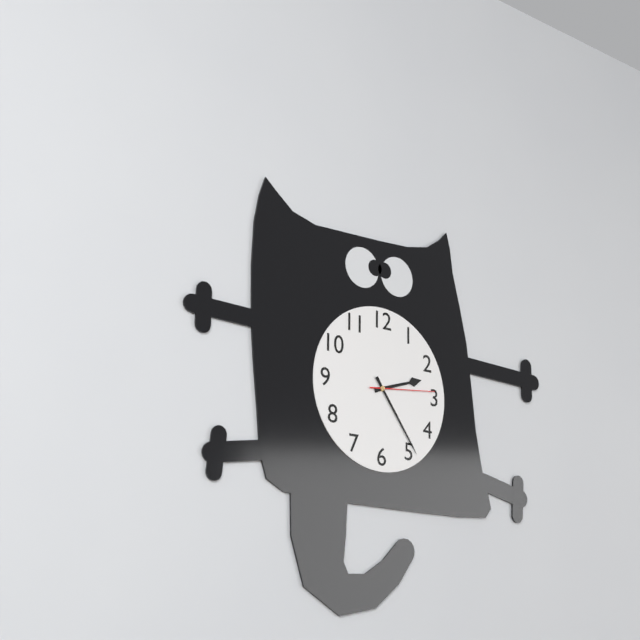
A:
2,24,14
